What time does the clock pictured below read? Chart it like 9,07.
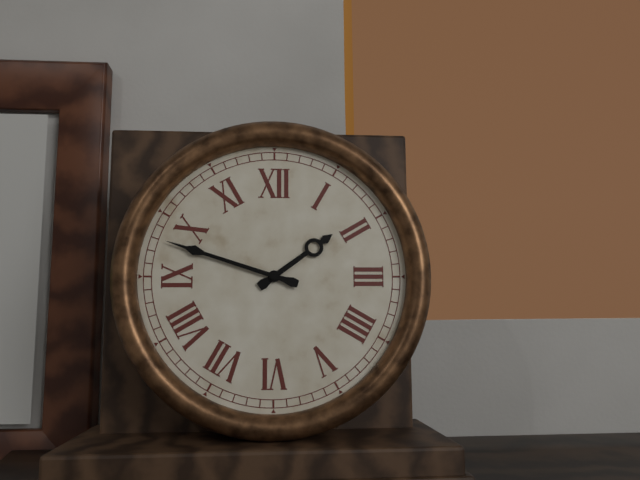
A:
1,48
